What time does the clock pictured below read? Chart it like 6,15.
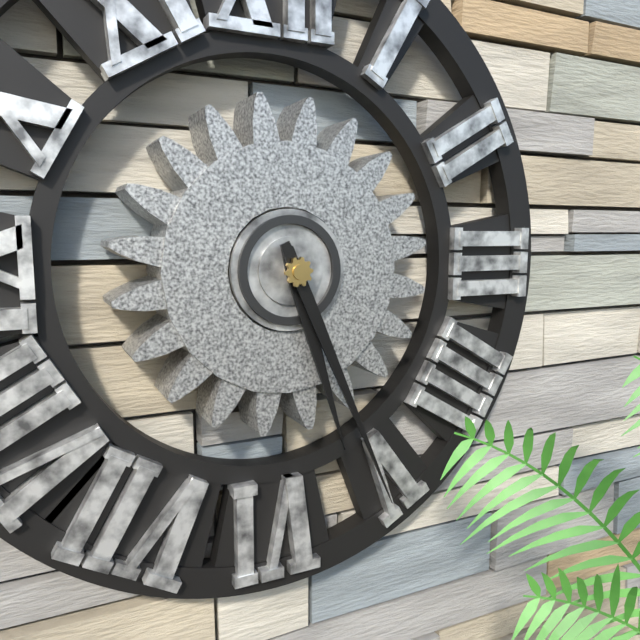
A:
5,26
